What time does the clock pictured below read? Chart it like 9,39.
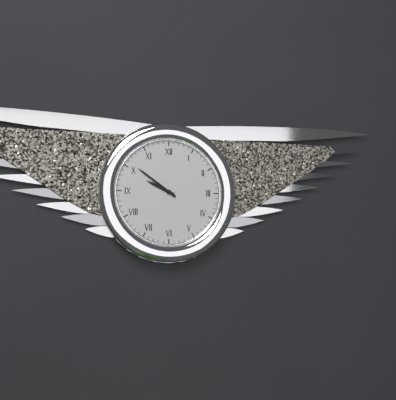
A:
9,51
